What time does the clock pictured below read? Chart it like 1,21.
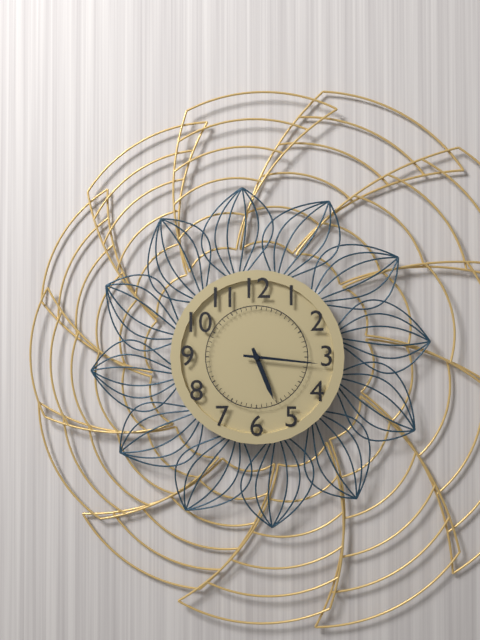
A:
5,16
